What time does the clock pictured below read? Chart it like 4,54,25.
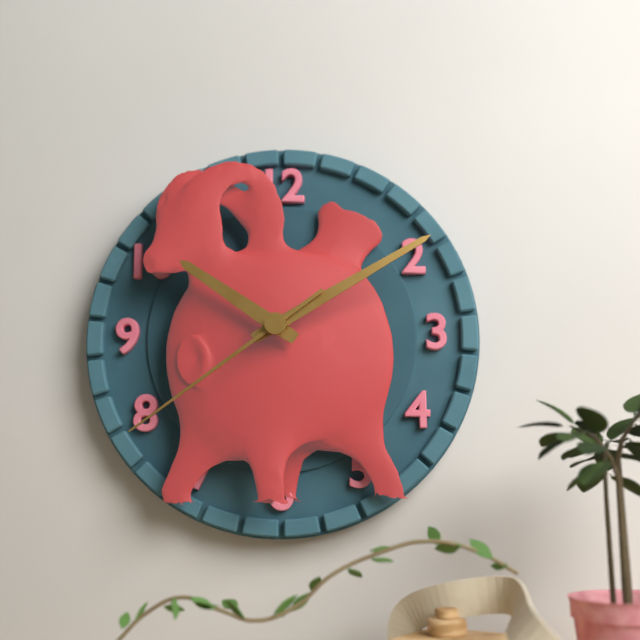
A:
10,10,39
